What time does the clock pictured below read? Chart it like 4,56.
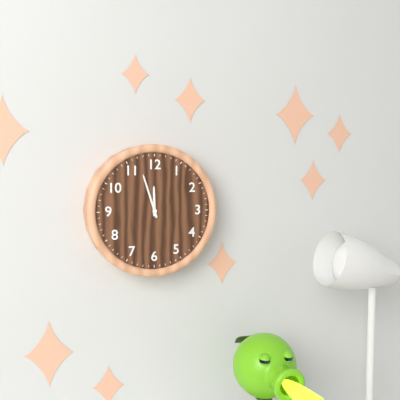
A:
11,57
